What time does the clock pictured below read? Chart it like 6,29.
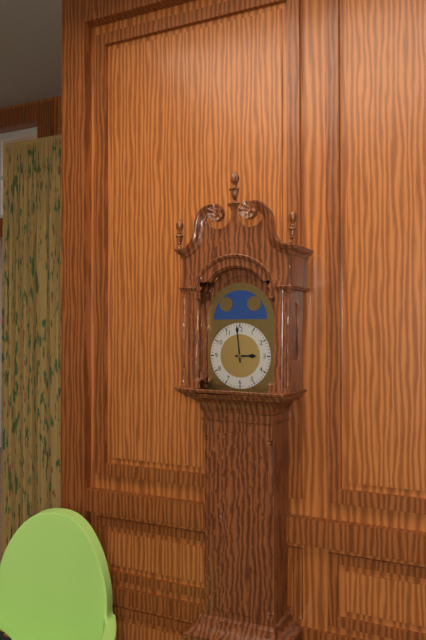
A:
2,59
